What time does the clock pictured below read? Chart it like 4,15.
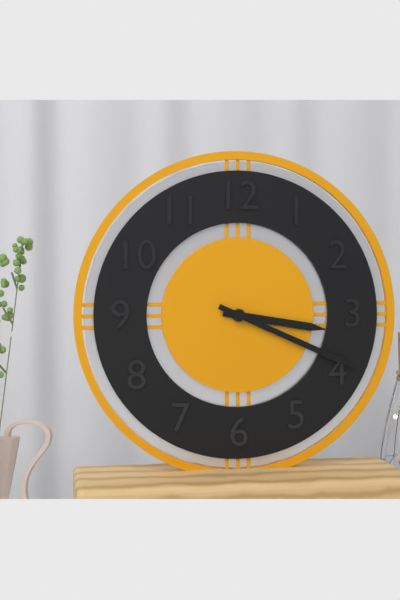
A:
3,19
